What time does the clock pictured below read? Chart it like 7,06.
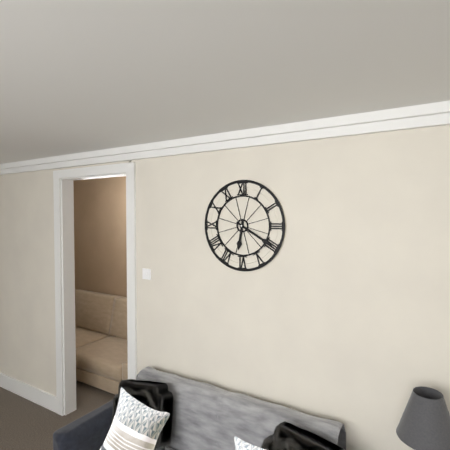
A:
6,20
